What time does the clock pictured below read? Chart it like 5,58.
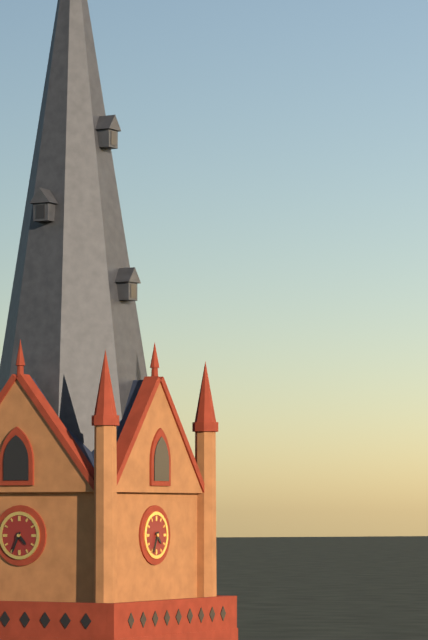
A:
4,34
